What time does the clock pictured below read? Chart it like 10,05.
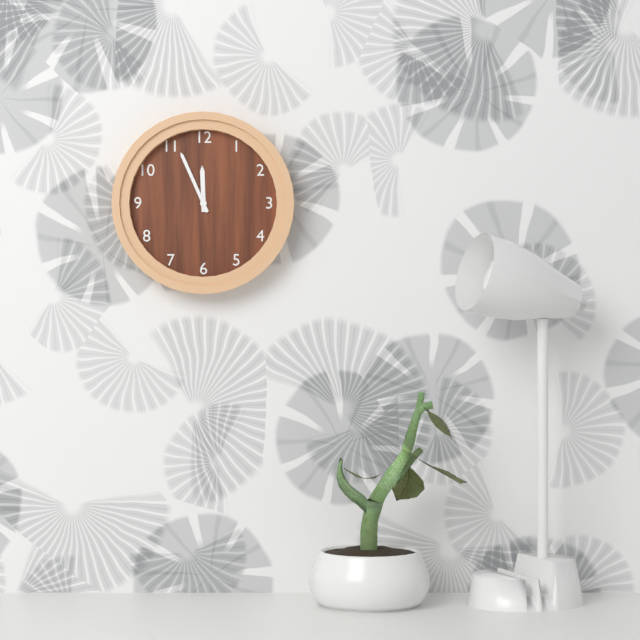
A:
11,56
